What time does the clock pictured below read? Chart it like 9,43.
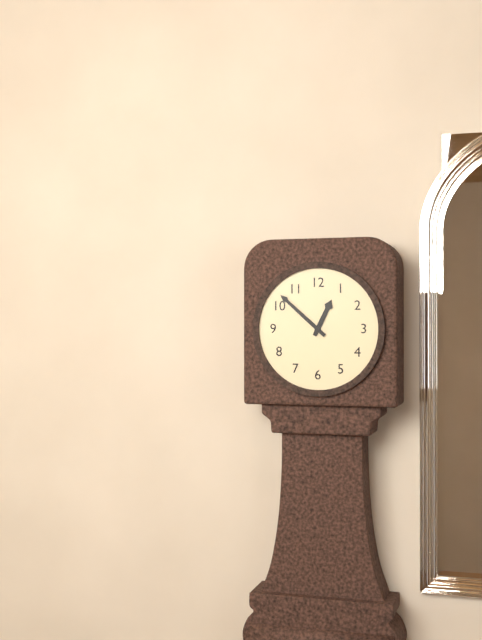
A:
12,52
